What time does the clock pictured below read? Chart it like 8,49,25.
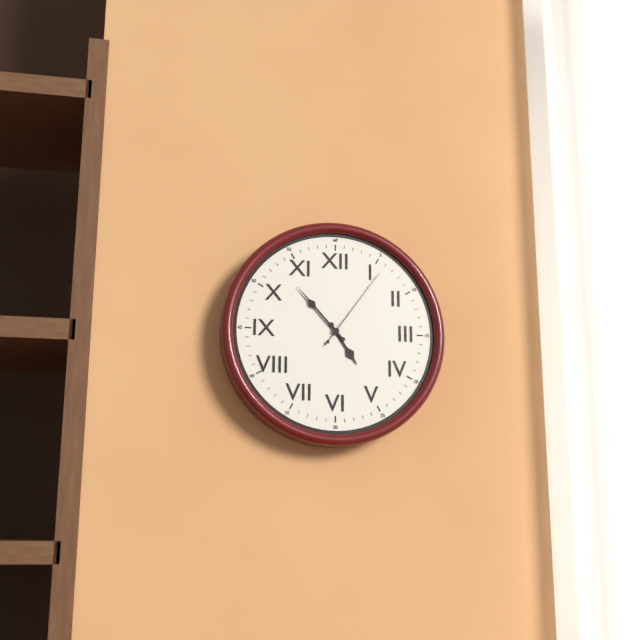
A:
4,53,06
